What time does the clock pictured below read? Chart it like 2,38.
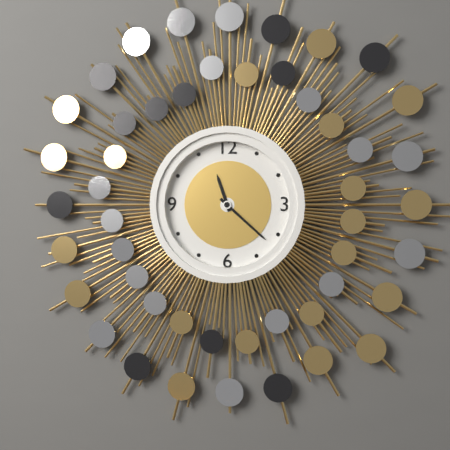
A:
11,22
